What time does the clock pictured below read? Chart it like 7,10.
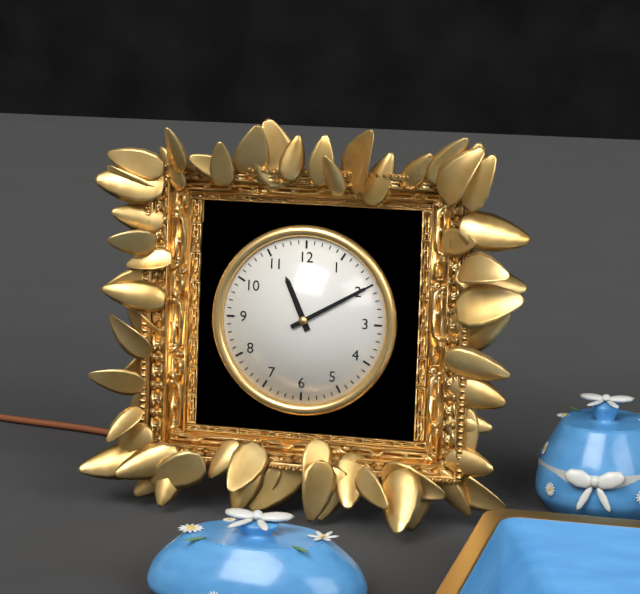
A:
11,10
